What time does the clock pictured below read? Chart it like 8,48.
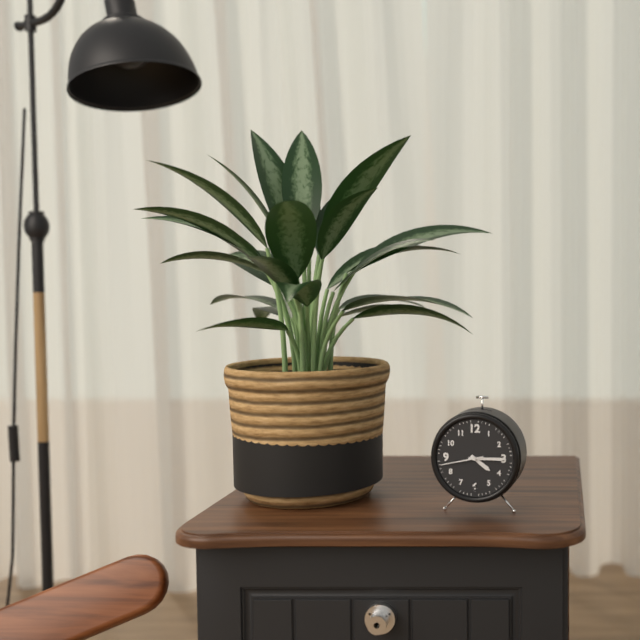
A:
4,15
